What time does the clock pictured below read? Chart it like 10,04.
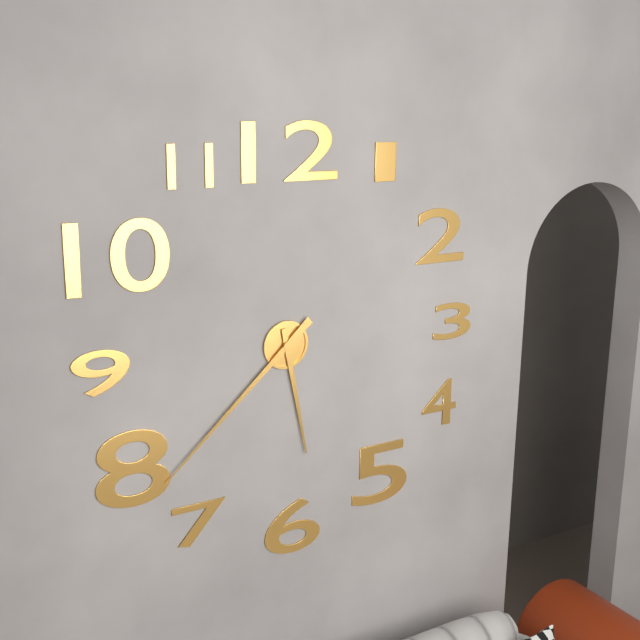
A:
5,38
